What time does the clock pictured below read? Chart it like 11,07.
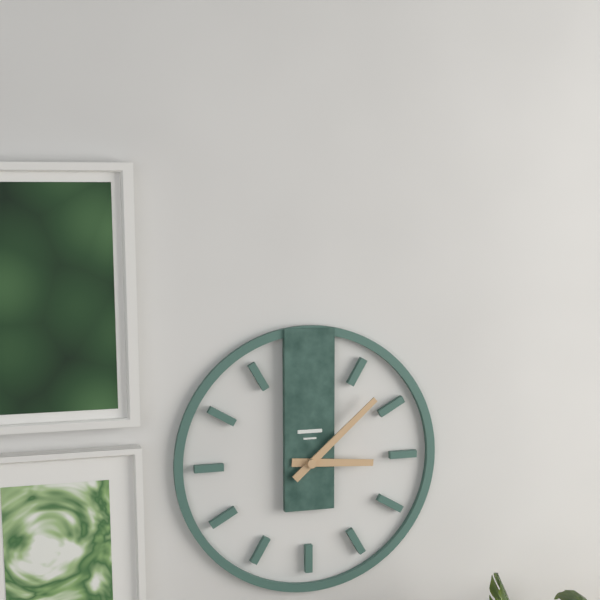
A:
3,08
